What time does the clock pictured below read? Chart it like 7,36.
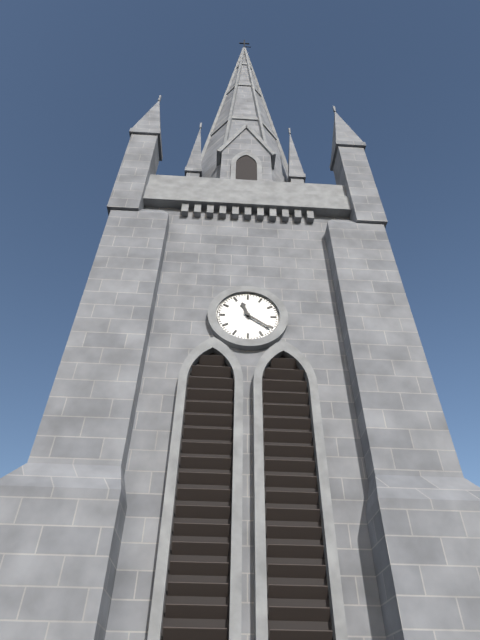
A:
11,21
